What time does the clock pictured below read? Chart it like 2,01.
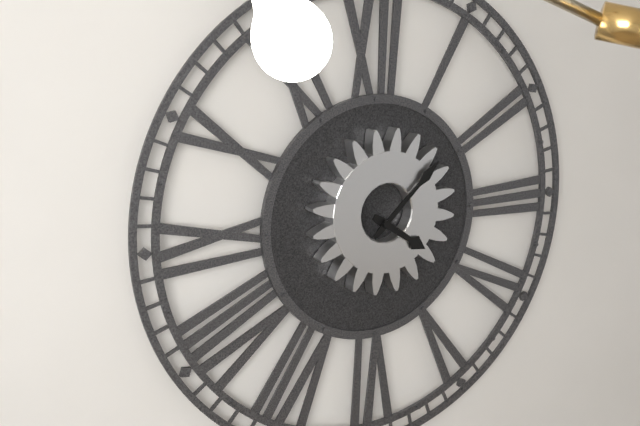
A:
4,08
